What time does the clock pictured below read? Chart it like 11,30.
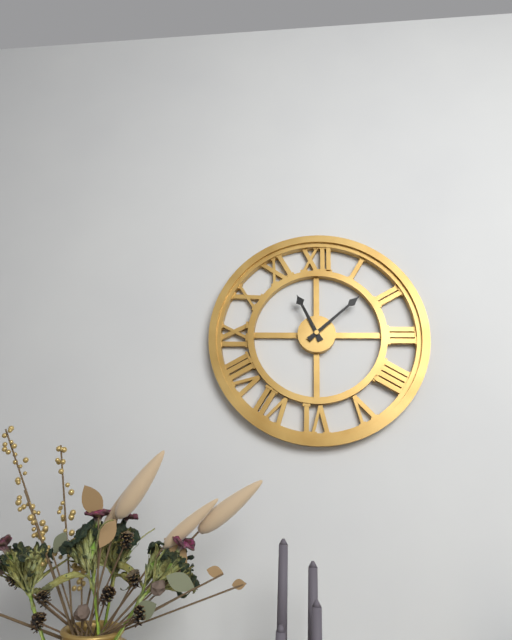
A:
11,08
